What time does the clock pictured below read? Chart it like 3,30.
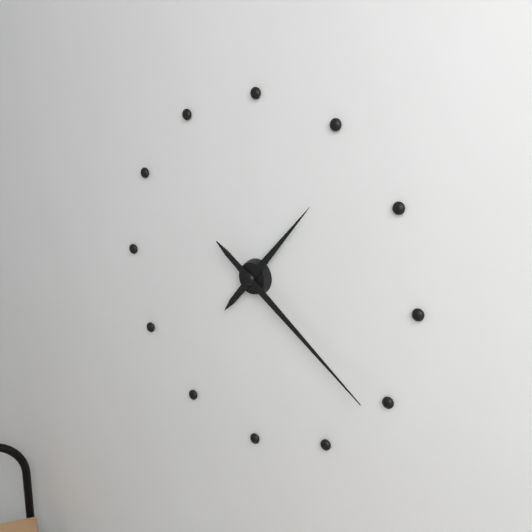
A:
1,21
